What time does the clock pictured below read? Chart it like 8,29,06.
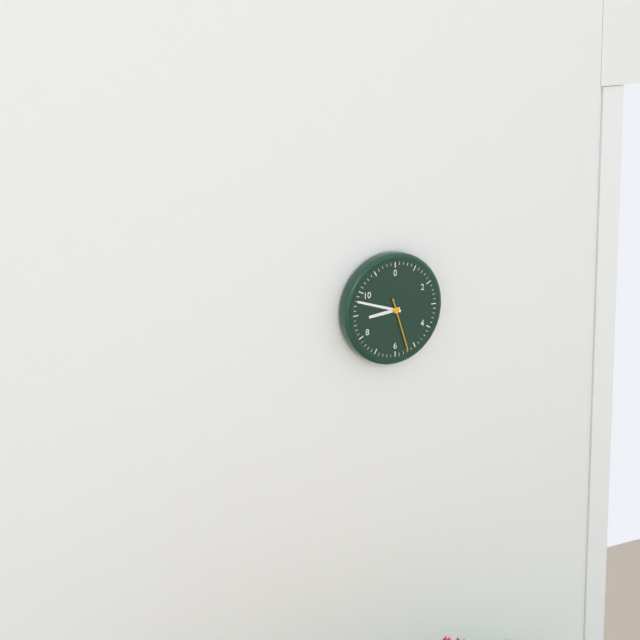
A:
8,48,27
